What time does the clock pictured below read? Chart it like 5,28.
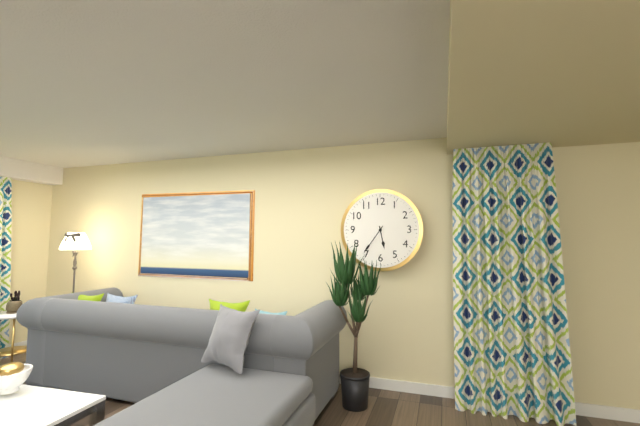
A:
5,36
